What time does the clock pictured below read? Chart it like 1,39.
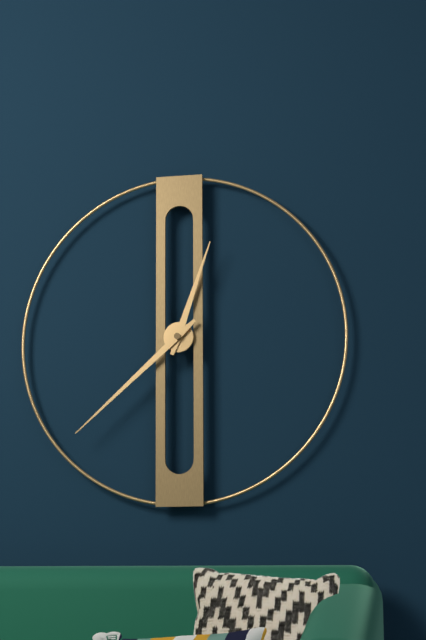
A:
12,38
